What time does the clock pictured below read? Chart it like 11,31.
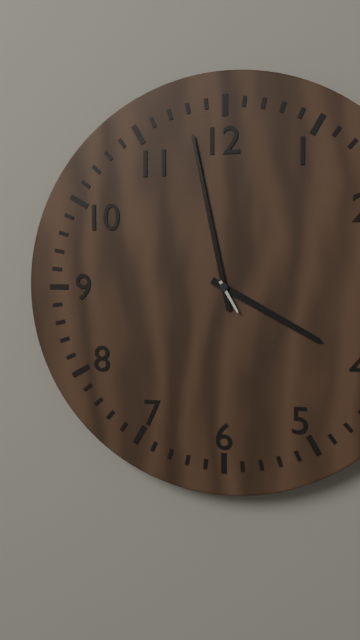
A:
3,58
